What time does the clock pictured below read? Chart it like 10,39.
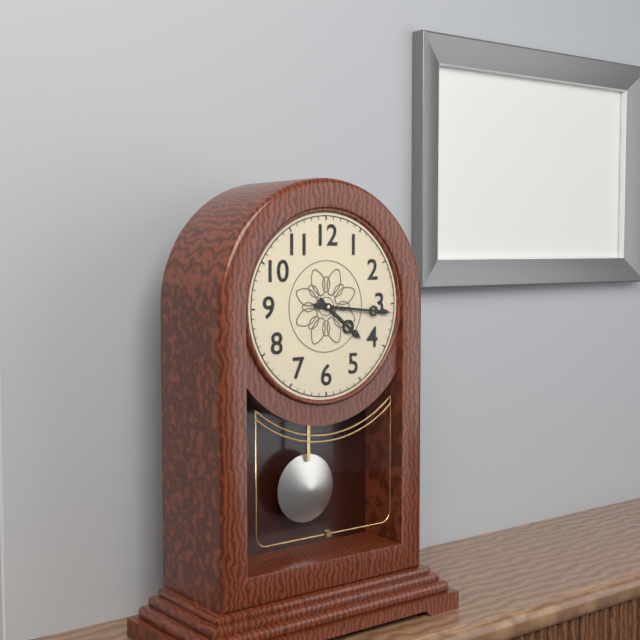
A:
4,16
